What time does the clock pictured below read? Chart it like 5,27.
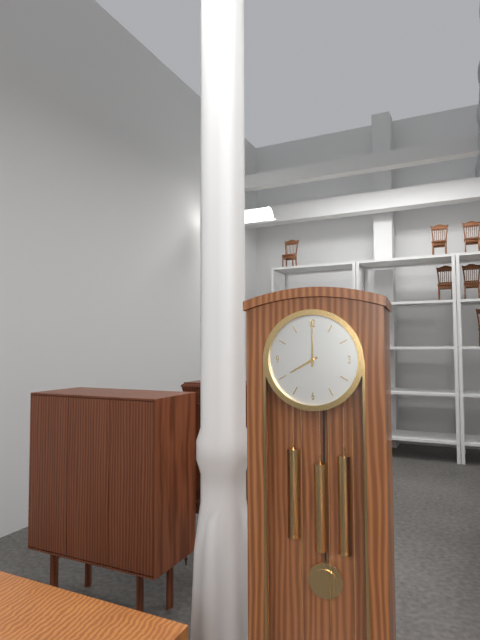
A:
8,00
